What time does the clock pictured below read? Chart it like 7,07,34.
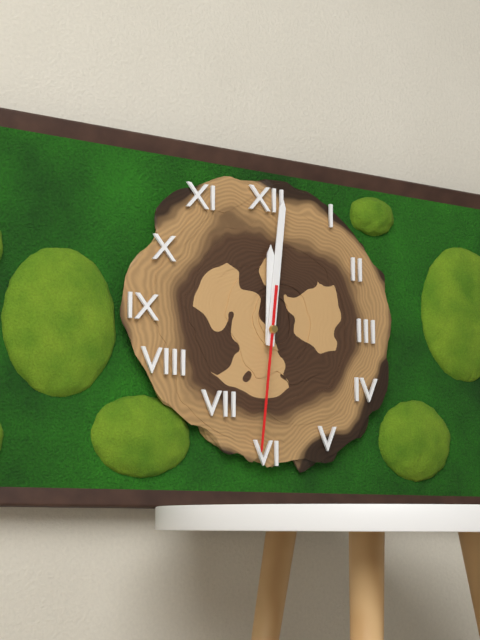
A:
12,01,31
